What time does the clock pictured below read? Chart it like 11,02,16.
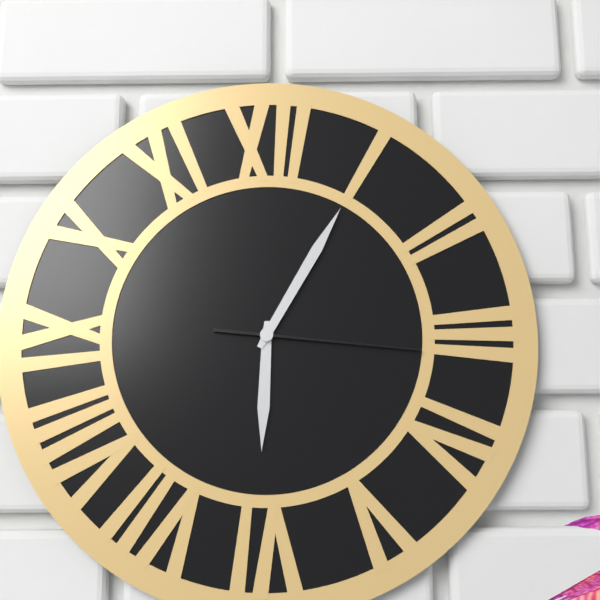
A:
6,05,16
